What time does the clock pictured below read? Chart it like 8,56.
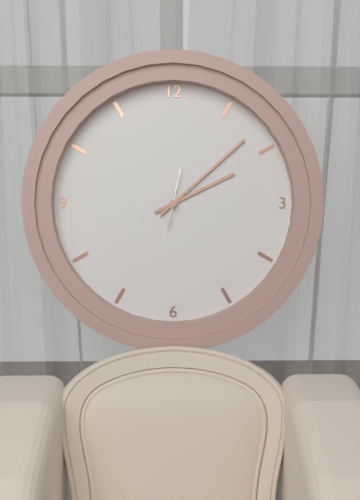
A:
2,08
